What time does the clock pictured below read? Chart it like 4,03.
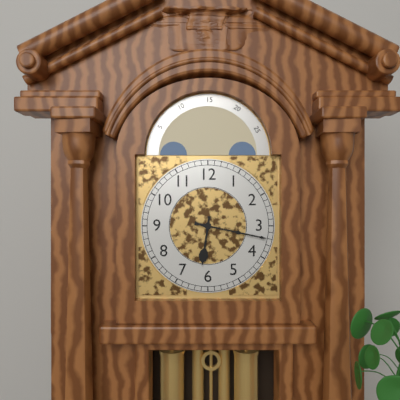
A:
6,17
